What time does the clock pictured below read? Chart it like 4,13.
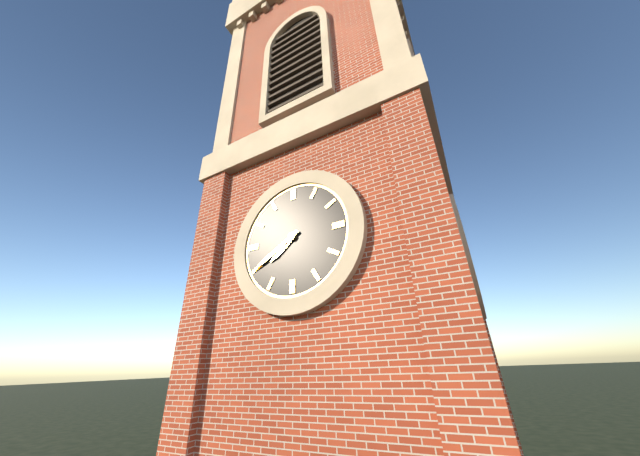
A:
7,40
